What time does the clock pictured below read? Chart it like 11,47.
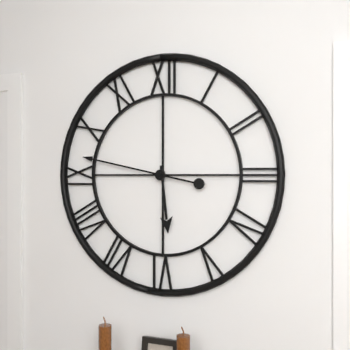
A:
5,47
